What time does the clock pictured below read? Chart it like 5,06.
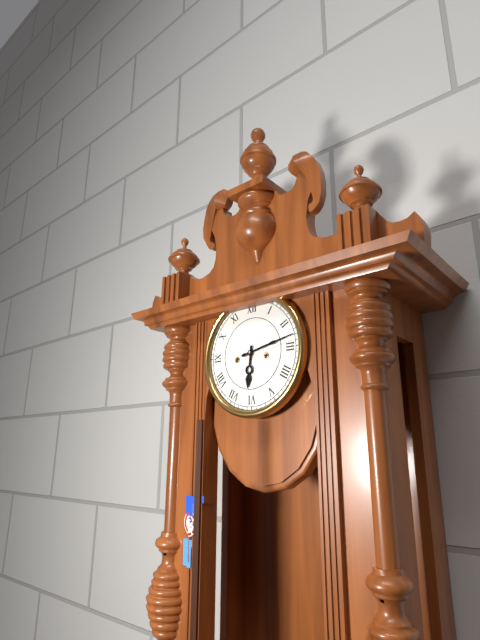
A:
6,13
